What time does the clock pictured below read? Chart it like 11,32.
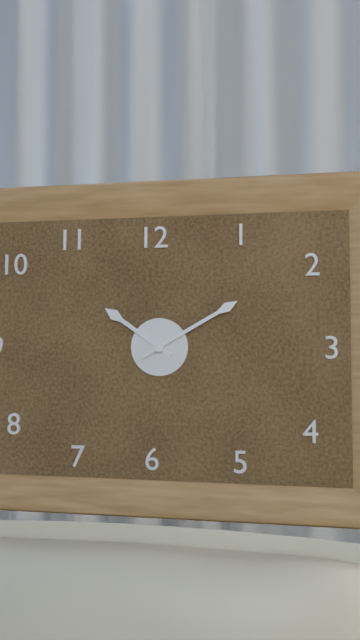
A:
10,10
